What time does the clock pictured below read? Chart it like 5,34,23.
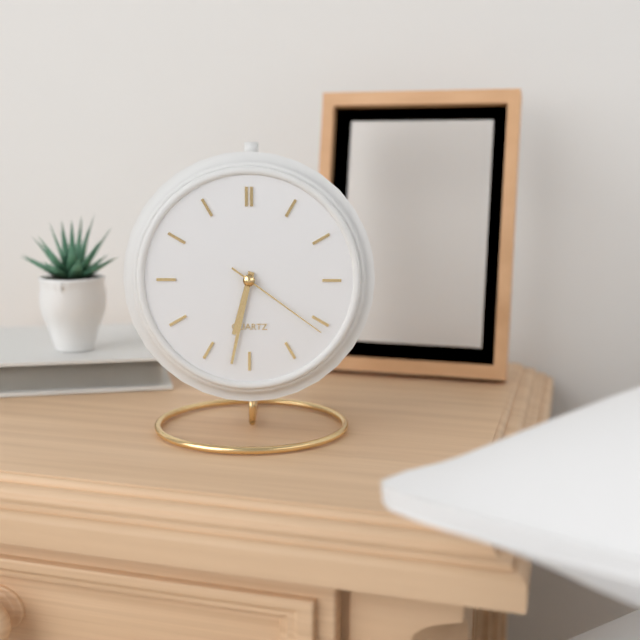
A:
6,32,21
